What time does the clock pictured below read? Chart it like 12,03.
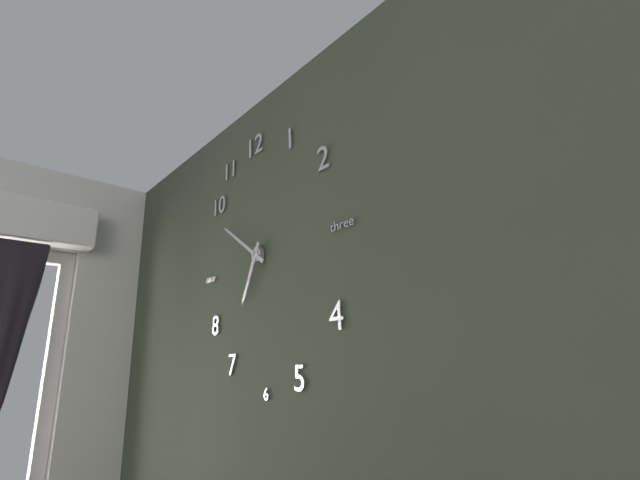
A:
6,51
